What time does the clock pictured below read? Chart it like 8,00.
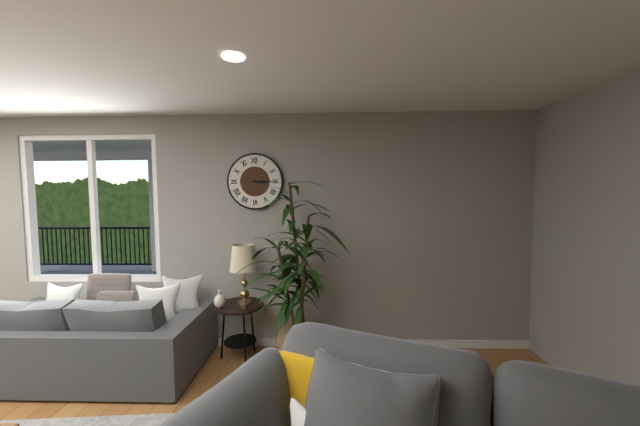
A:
3,15
